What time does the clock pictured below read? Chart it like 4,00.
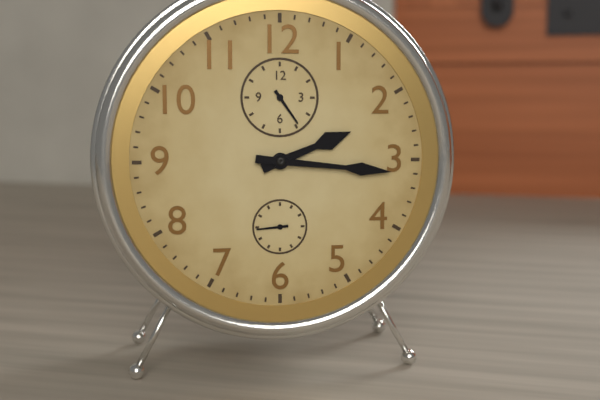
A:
2,16
